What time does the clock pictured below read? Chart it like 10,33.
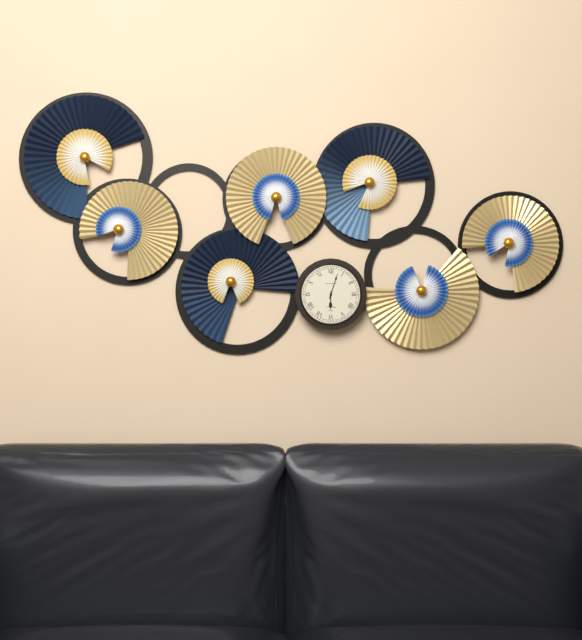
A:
6,03
